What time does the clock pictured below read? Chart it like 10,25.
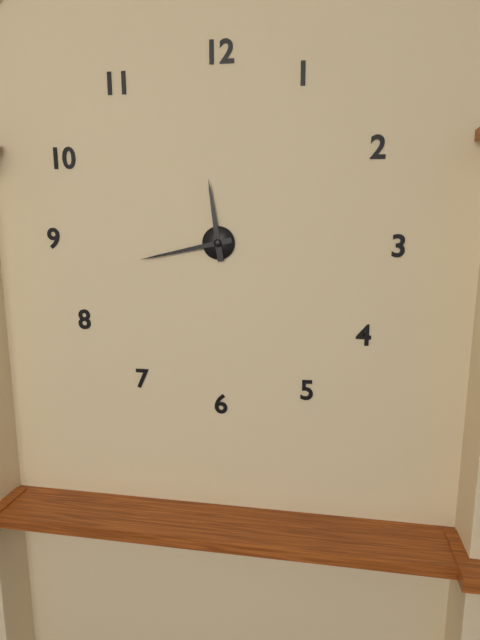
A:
11,43
